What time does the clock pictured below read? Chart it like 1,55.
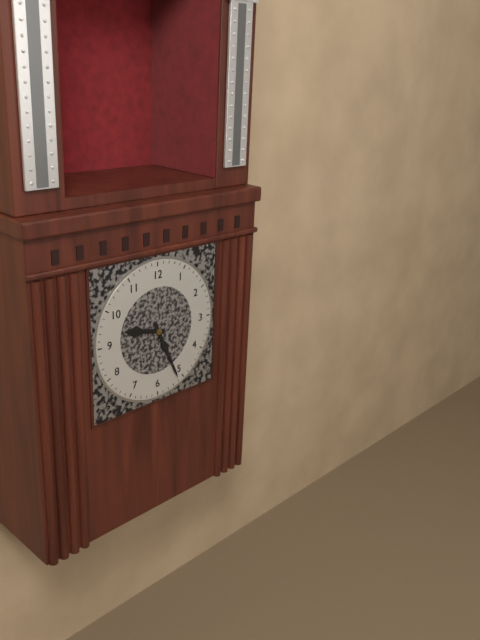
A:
9,26
